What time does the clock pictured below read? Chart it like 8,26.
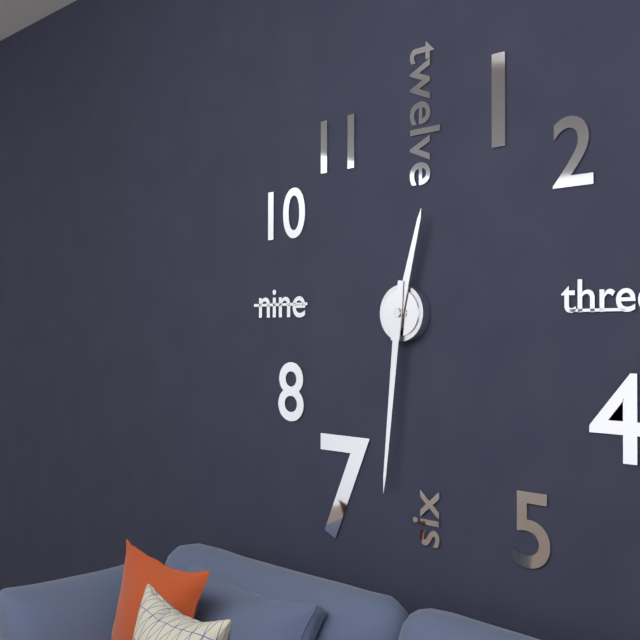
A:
12,31
